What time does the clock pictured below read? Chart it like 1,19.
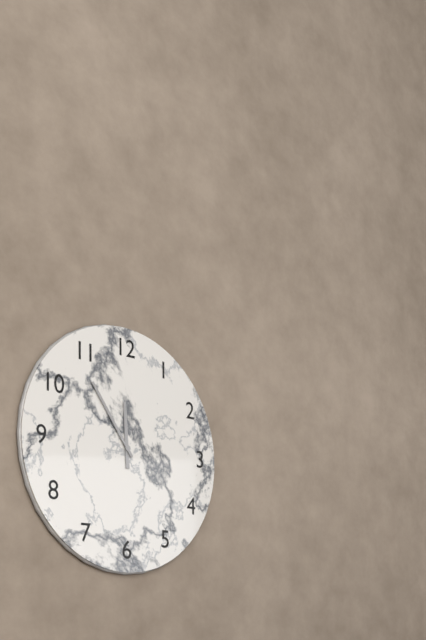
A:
11,54
